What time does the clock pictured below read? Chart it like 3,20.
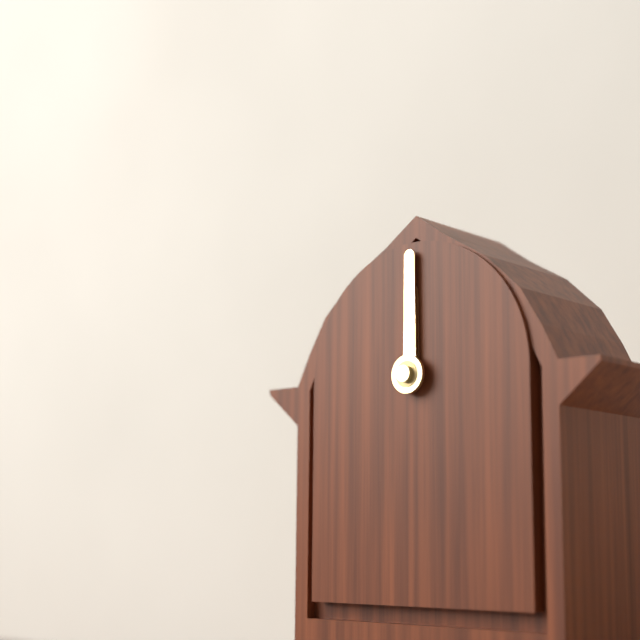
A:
12,00
